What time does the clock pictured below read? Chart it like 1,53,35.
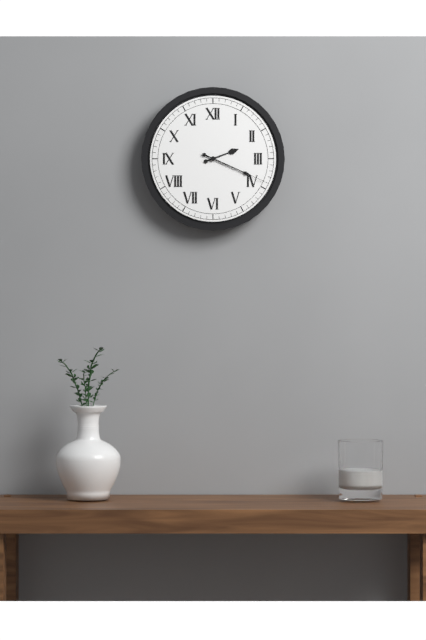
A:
2,19,19
